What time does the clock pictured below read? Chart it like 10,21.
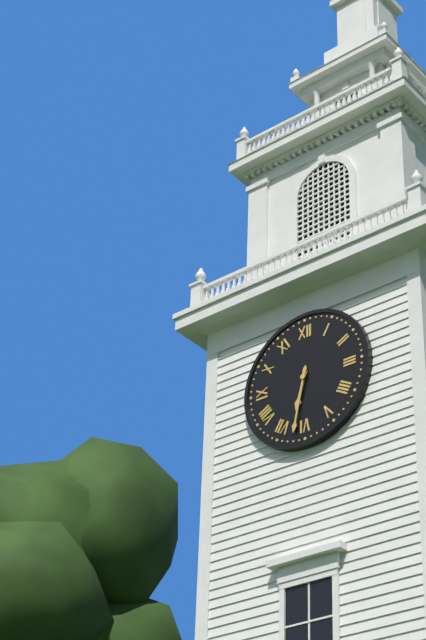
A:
6,32
